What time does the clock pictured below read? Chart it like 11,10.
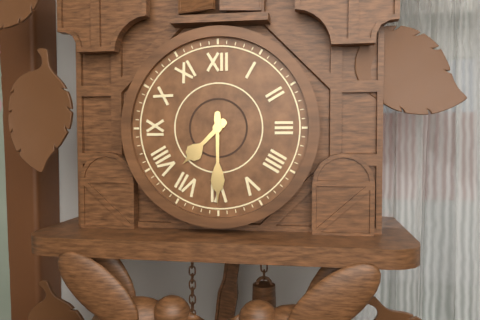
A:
7,30
